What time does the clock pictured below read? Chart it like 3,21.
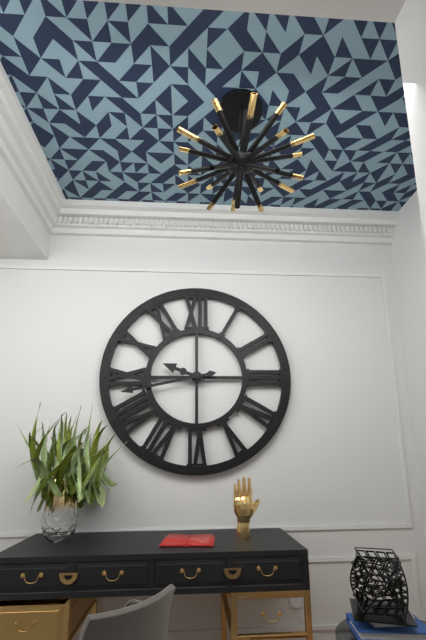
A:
9,43
